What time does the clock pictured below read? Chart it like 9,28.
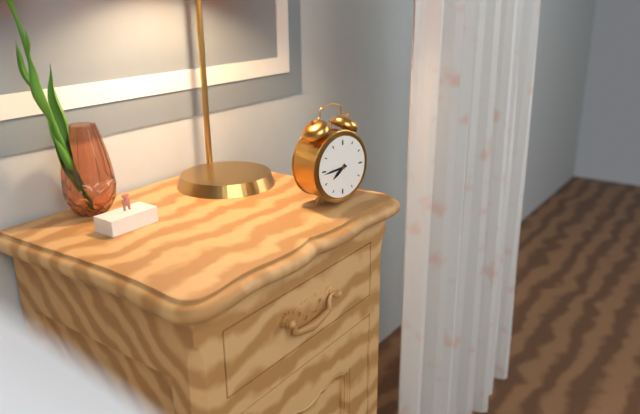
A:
7,44
